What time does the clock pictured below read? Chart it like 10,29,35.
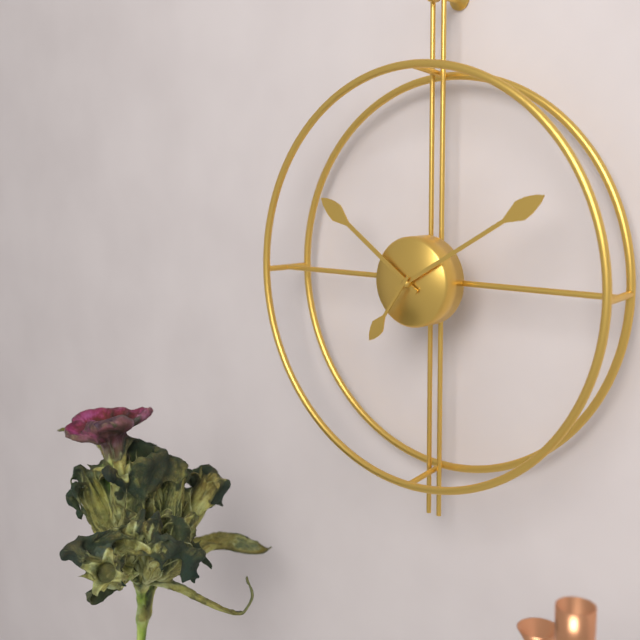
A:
10,10,36
